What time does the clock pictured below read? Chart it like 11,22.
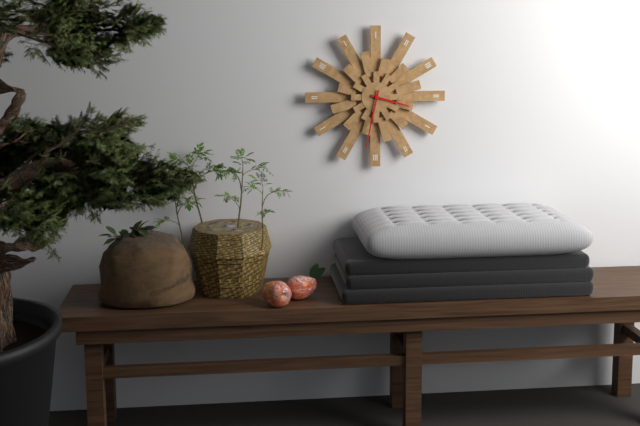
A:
3,32
